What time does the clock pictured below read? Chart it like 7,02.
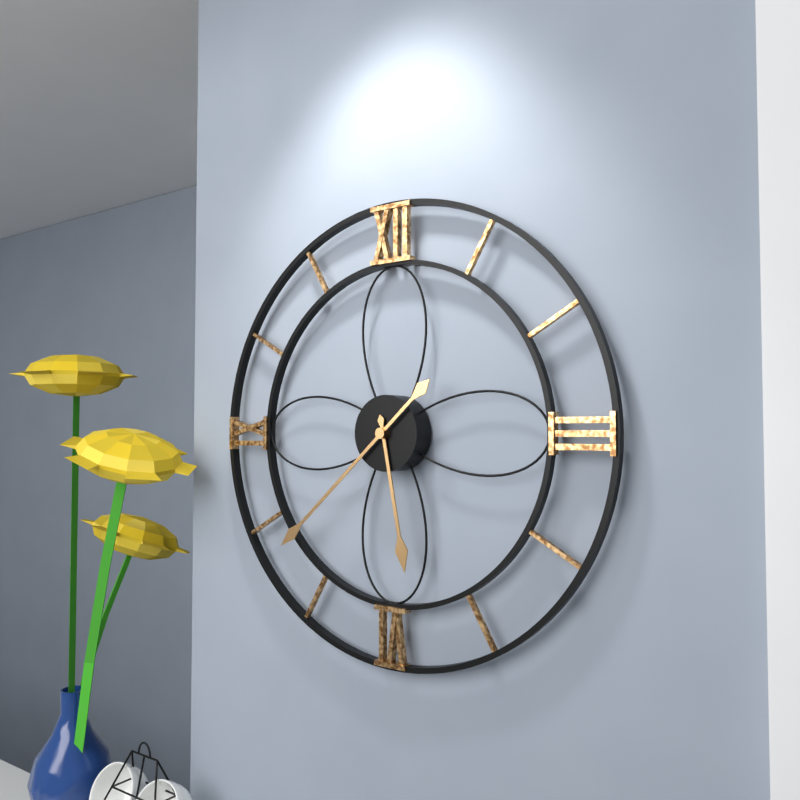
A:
5,38
